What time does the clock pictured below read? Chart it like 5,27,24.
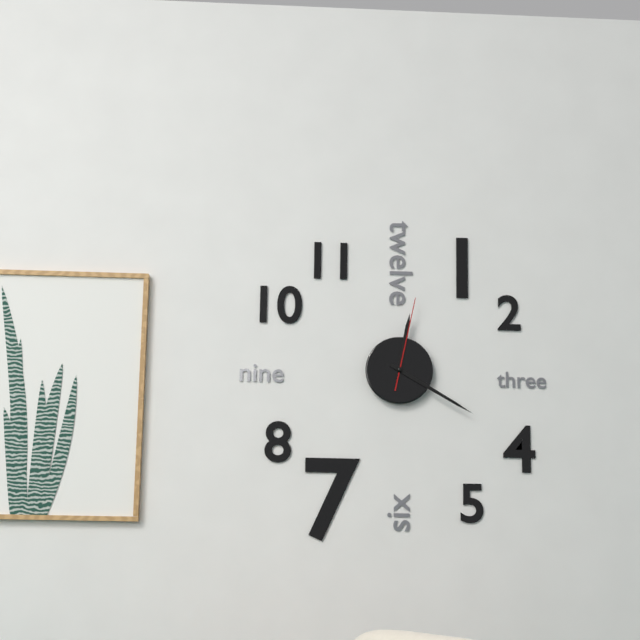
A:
12,20,02
